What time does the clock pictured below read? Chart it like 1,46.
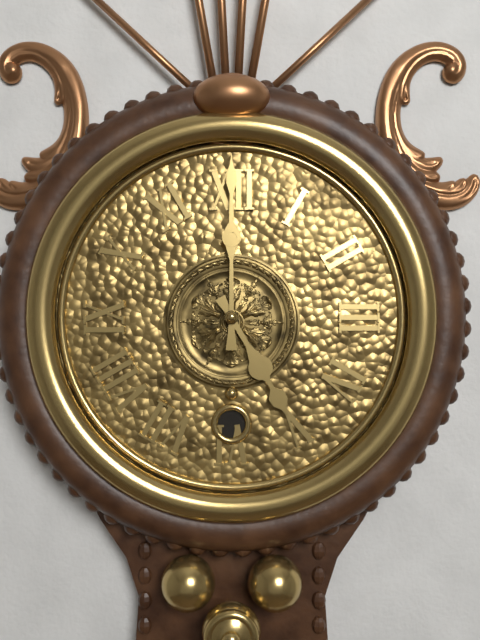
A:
5,00
